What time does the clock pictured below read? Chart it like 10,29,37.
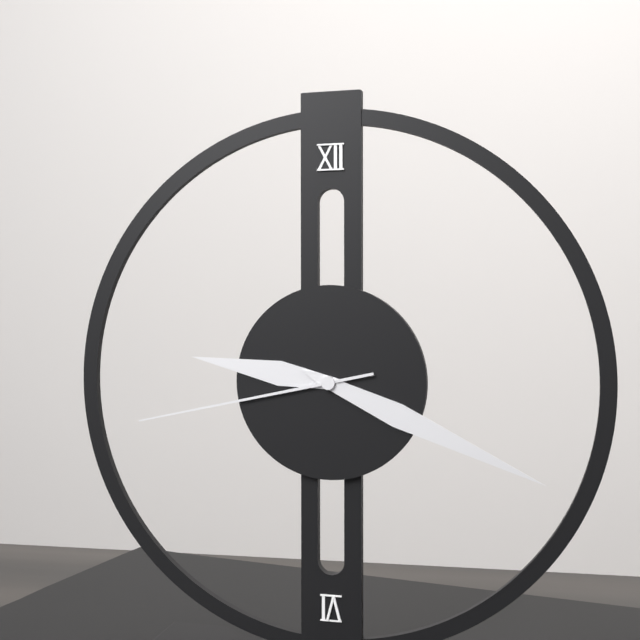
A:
9,19,43
